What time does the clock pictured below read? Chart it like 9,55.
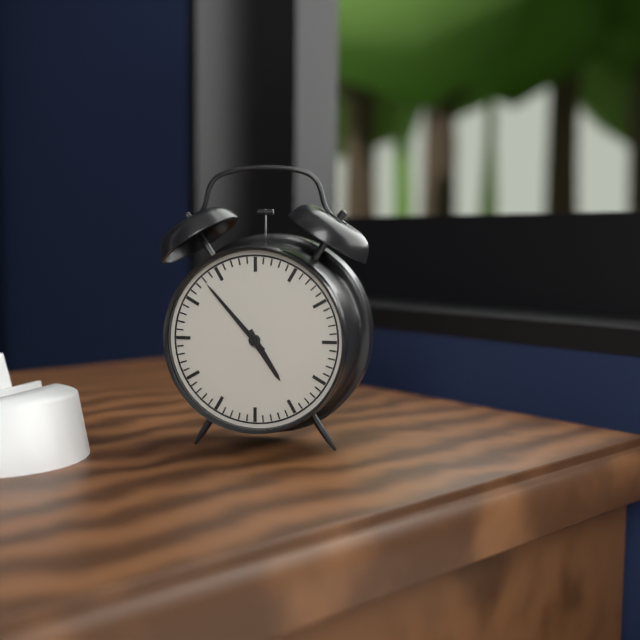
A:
4,53
